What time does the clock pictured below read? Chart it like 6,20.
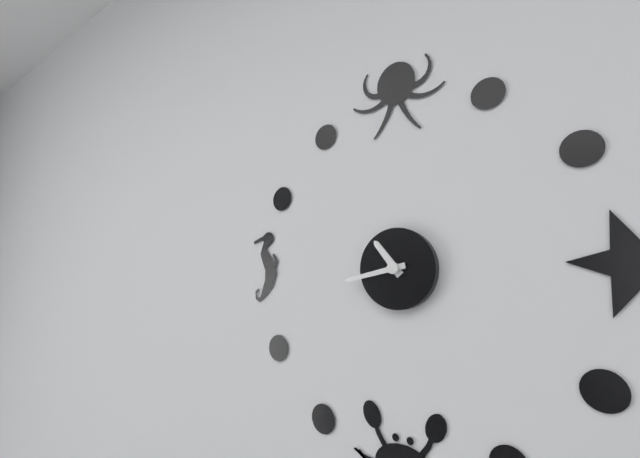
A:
10,43
